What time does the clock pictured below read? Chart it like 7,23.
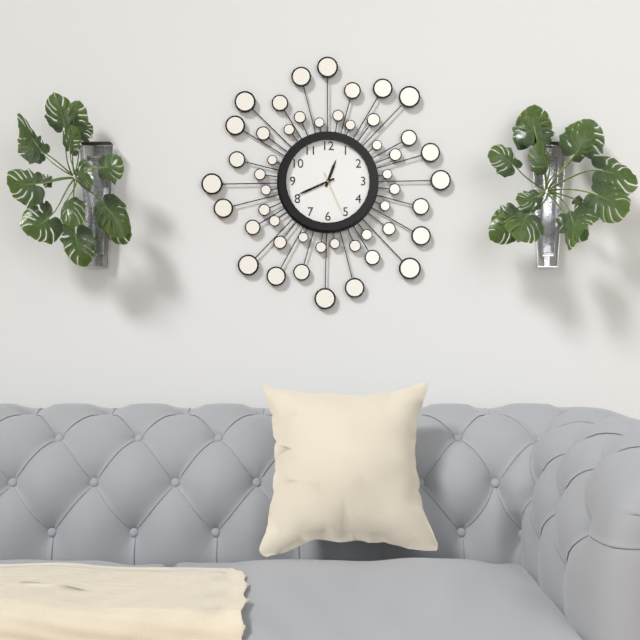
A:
12,41
